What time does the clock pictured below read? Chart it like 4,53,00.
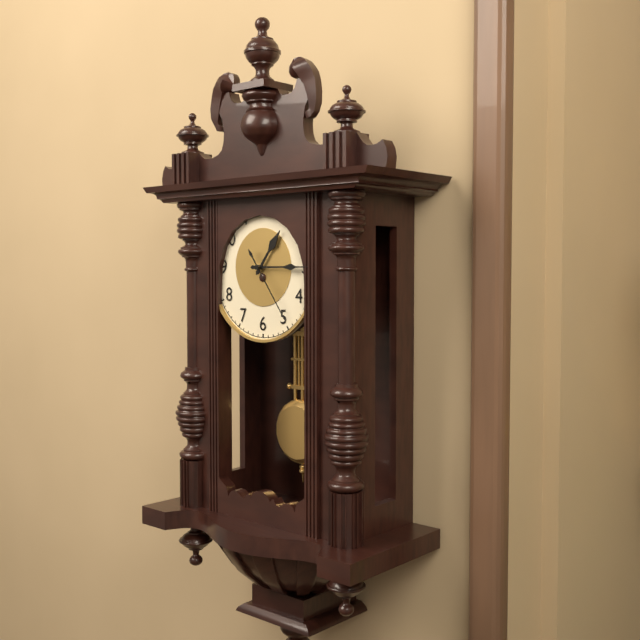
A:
1,15,24
